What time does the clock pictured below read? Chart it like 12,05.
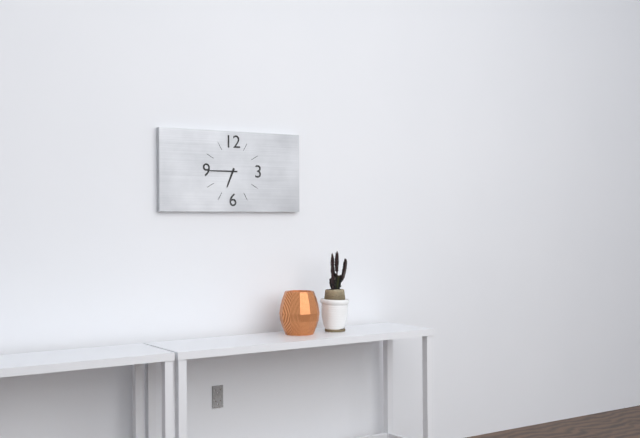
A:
6,45
